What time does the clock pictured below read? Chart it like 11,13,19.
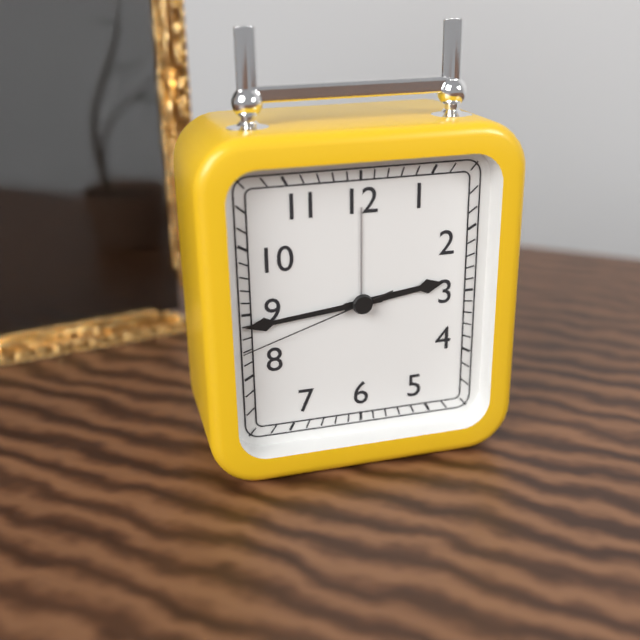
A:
2,44,42
